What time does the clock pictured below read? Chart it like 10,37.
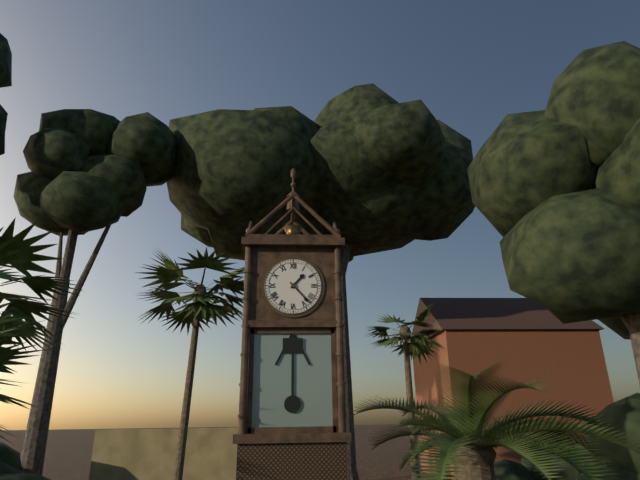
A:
1,23
